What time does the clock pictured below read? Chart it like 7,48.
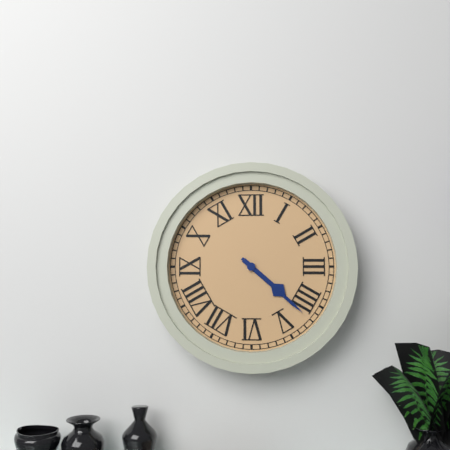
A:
4,22
